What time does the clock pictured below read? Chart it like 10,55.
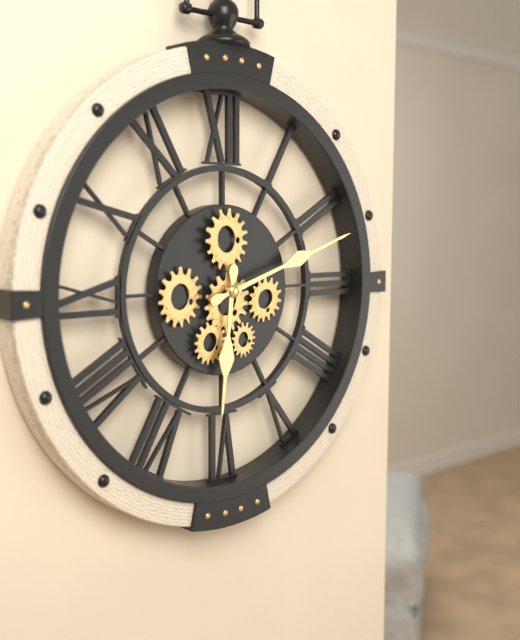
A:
6,12
